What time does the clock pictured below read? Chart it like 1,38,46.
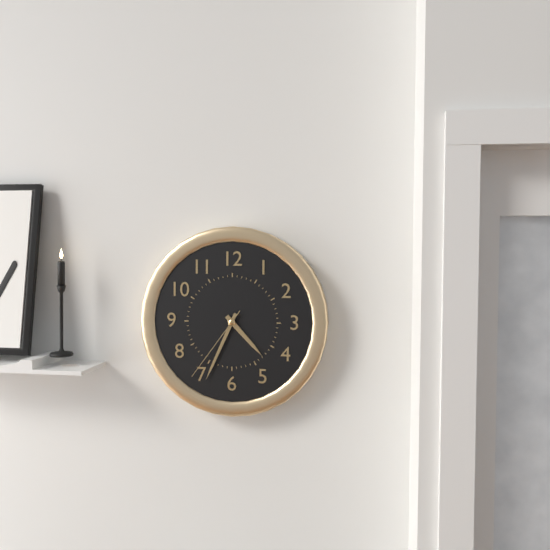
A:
4,34,36
